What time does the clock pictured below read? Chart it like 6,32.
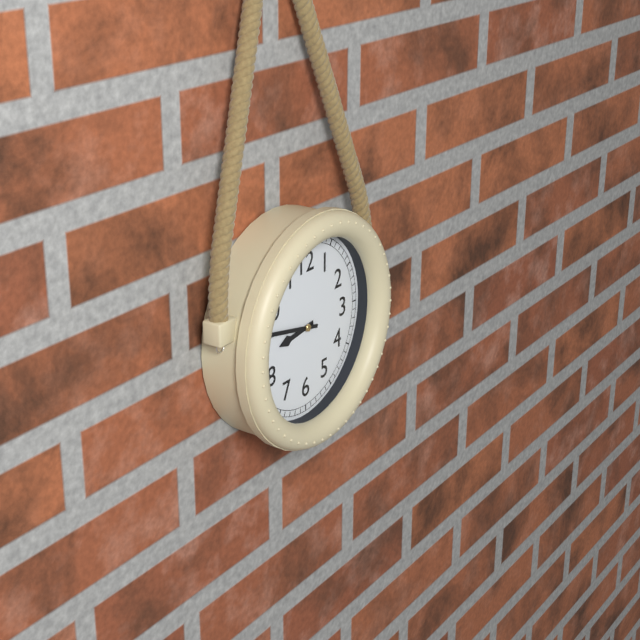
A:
8,47
